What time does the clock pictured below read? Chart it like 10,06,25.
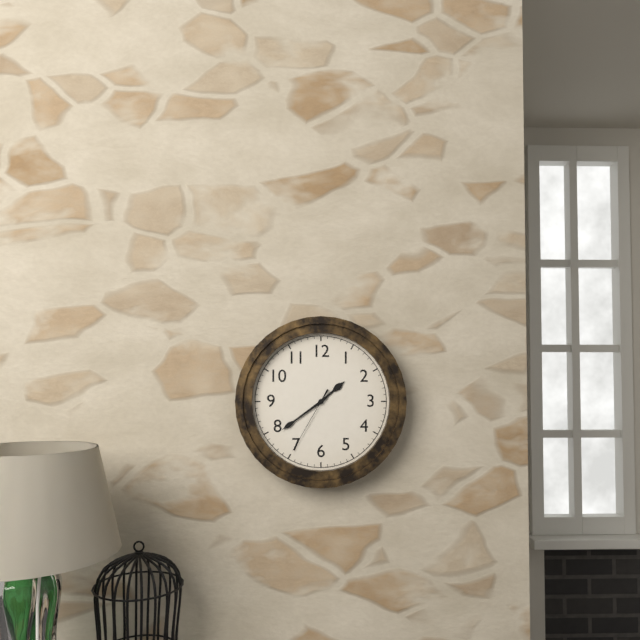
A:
1,39,35
